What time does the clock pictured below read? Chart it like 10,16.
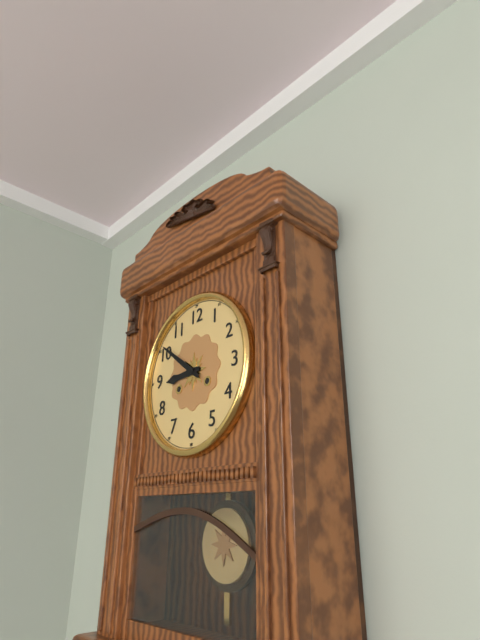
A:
8,51
